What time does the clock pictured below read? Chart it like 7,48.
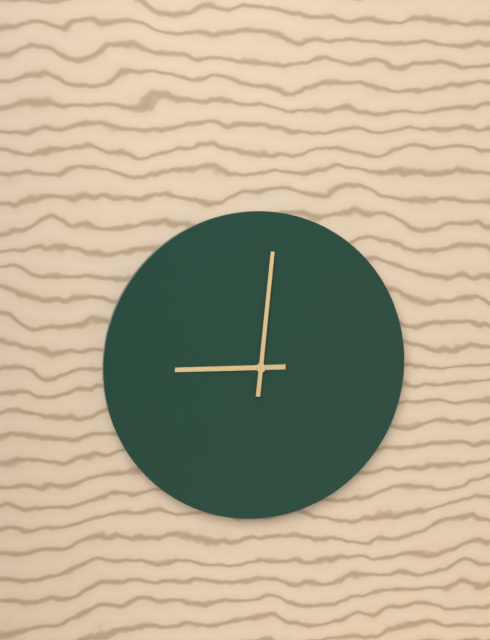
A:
9,01
